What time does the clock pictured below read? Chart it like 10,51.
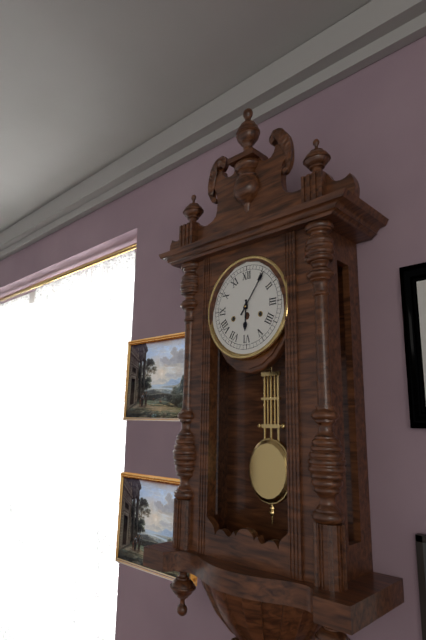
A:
6,06
